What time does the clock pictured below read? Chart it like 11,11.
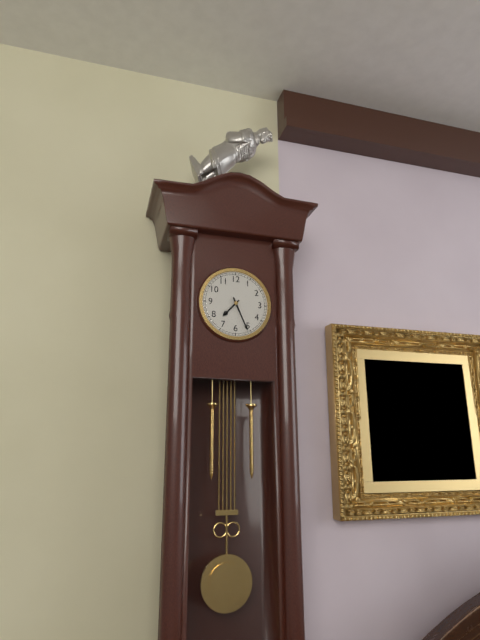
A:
7,26
